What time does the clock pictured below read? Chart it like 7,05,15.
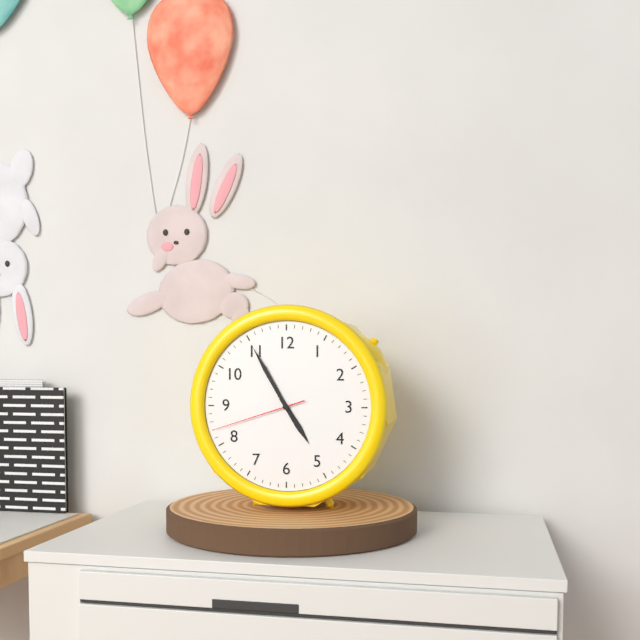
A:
4,55,42
